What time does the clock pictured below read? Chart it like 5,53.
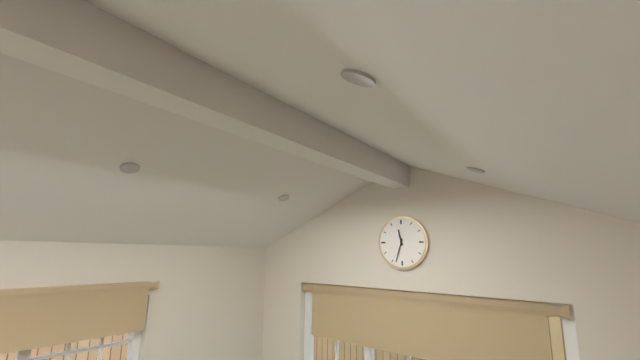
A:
11,33
